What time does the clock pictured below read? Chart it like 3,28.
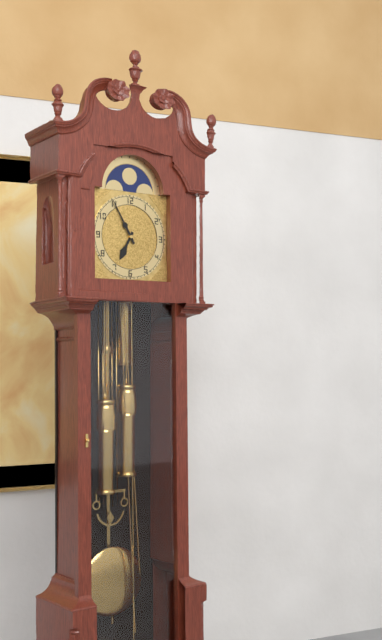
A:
6,55
